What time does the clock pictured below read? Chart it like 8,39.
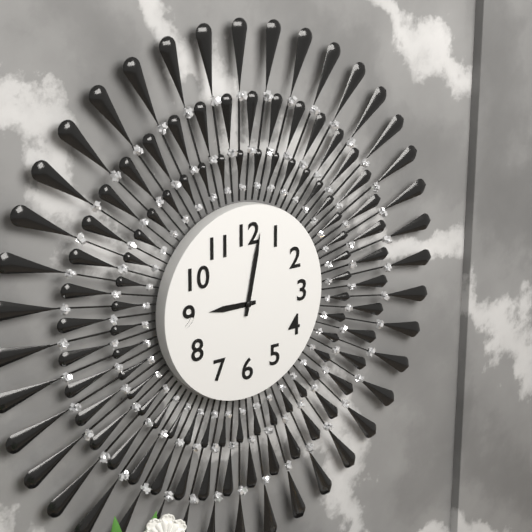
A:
9,02
